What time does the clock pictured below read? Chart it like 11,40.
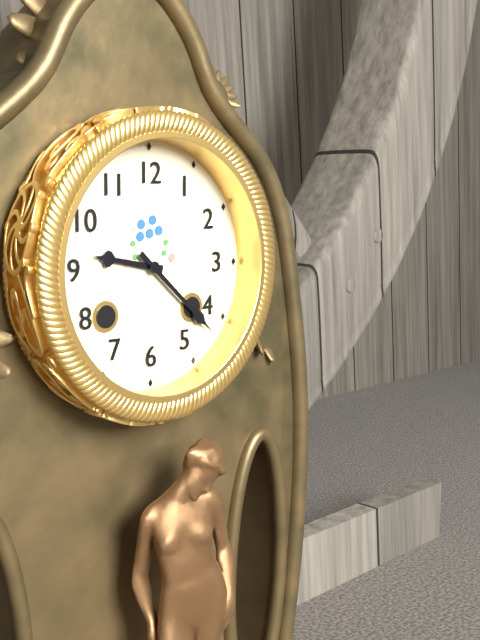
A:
9,22
